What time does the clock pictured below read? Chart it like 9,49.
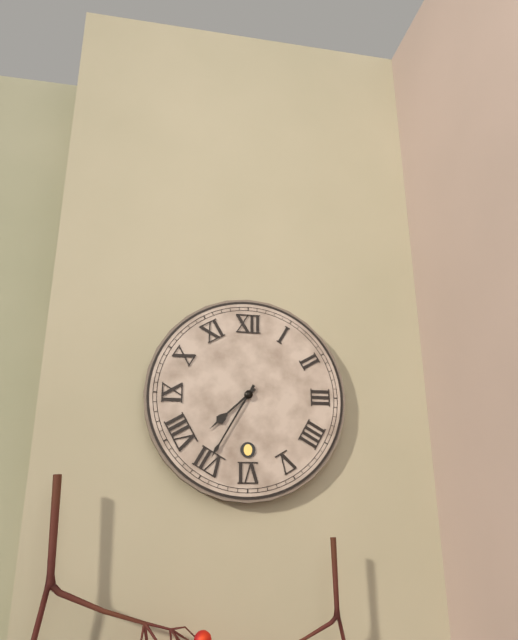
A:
7,35
